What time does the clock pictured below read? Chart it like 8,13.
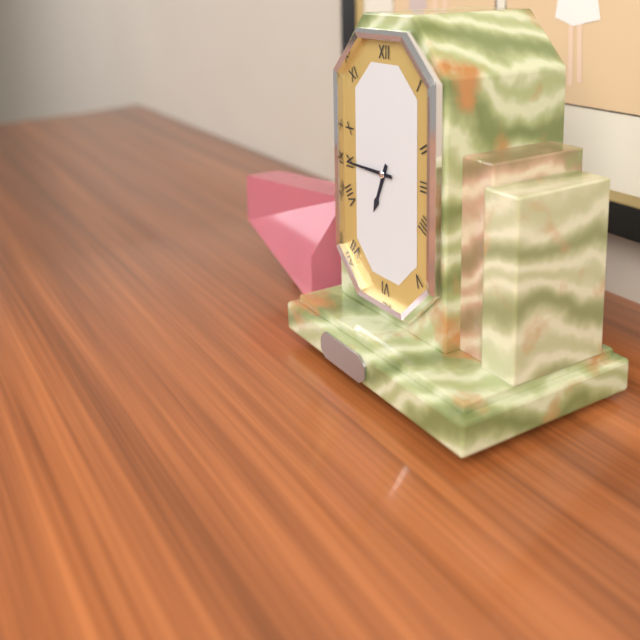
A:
6,45
